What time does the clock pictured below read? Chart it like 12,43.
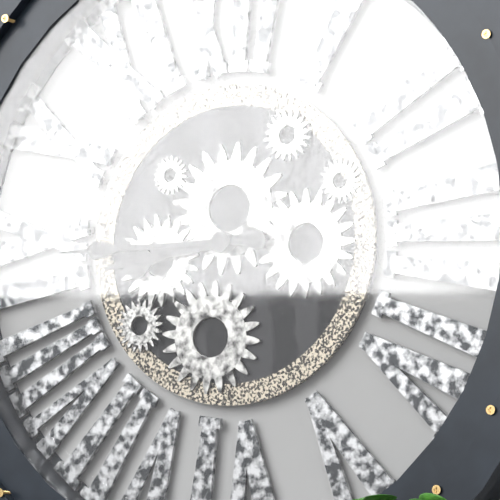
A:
8,45
